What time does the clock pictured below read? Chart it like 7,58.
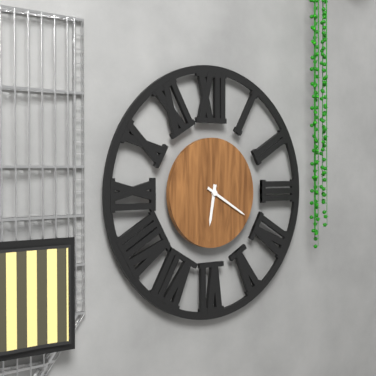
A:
6,20
